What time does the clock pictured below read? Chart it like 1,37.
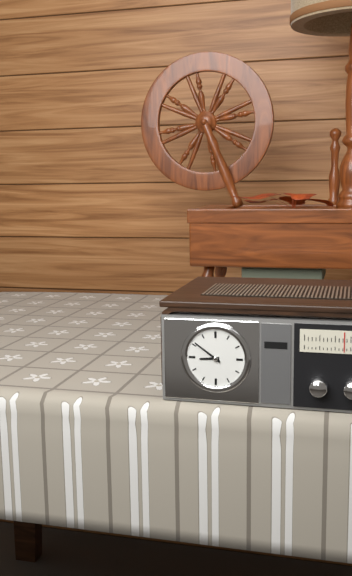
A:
8,51
